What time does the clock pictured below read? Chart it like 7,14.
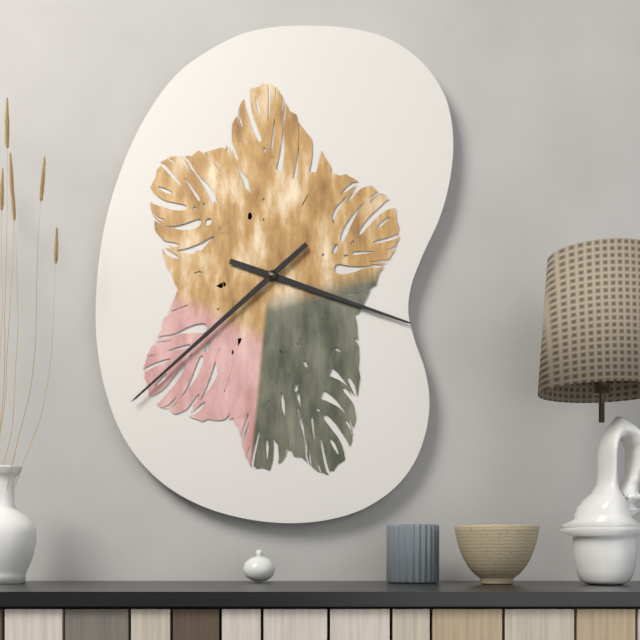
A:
3,38
